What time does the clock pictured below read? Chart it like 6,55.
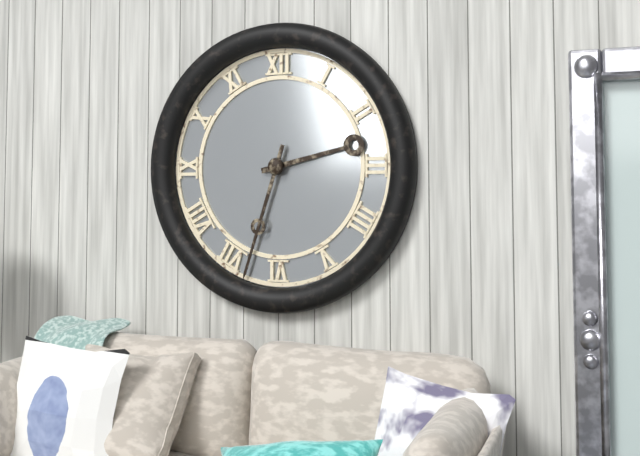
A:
2,33
